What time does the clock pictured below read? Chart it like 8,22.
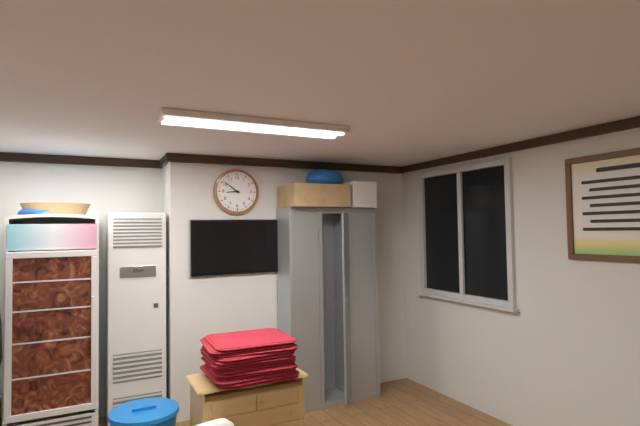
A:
8,51
